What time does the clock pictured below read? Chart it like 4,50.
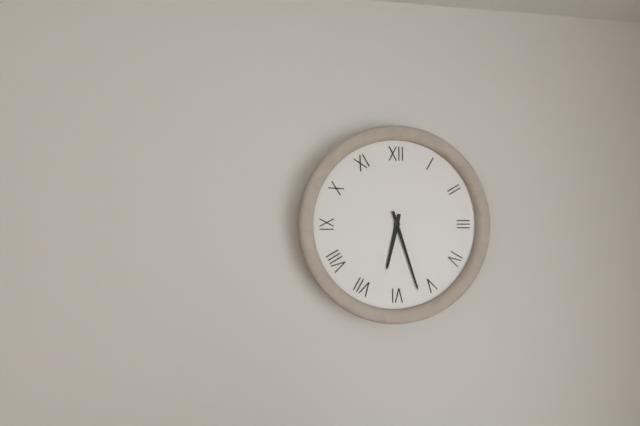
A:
6,27
